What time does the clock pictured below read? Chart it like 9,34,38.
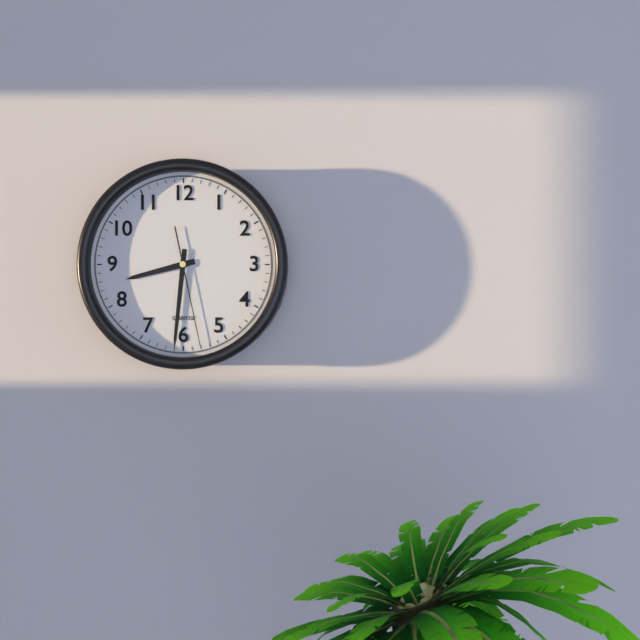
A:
8,31,28
